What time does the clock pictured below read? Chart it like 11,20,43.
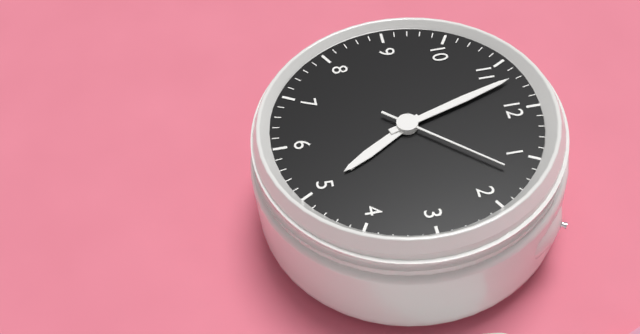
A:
4,57,07
